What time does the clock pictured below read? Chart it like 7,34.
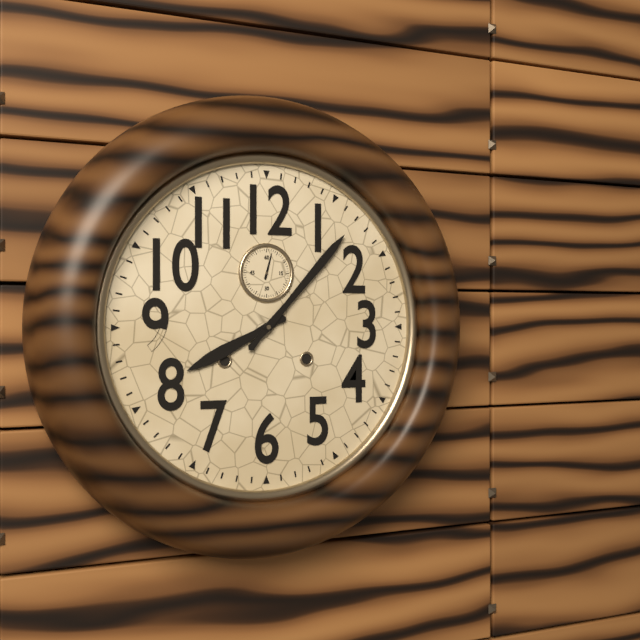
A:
8,07
